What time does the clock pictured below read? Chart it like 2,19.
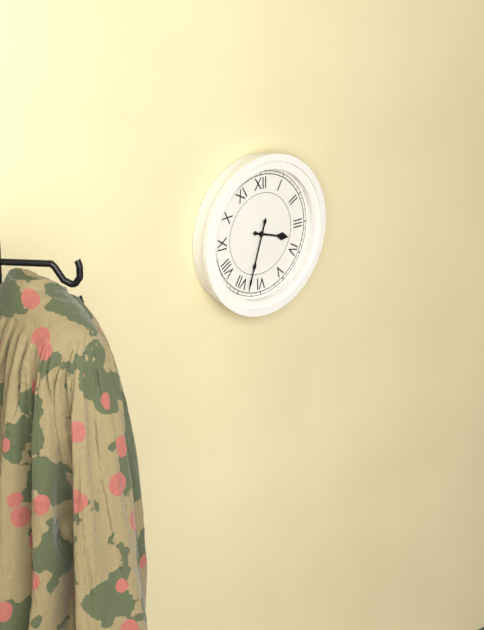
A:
3,33
